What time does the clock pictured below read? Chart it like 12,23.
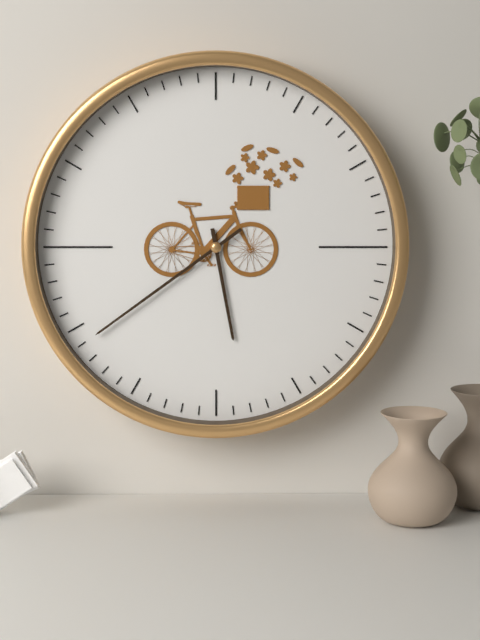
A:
5,39
